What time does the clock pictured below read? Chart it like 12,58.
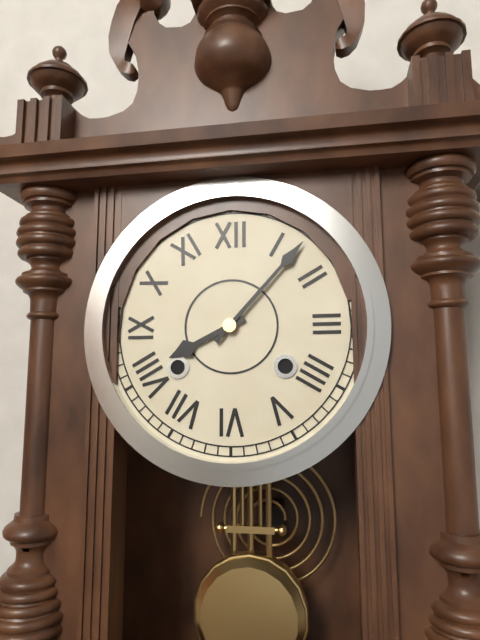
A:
8,07
